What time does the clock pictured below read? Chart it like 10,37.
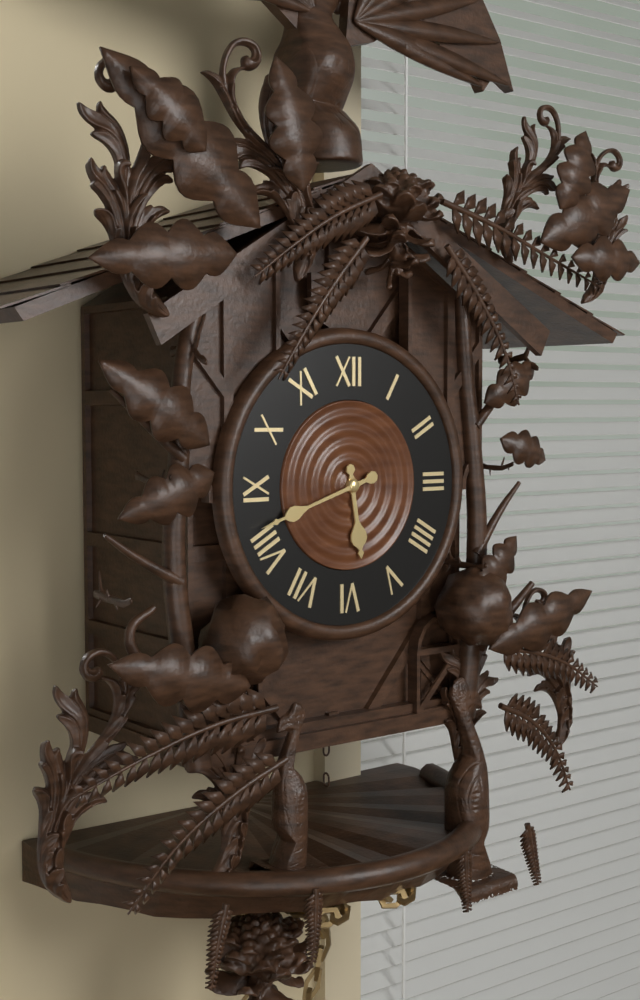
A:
5,42
